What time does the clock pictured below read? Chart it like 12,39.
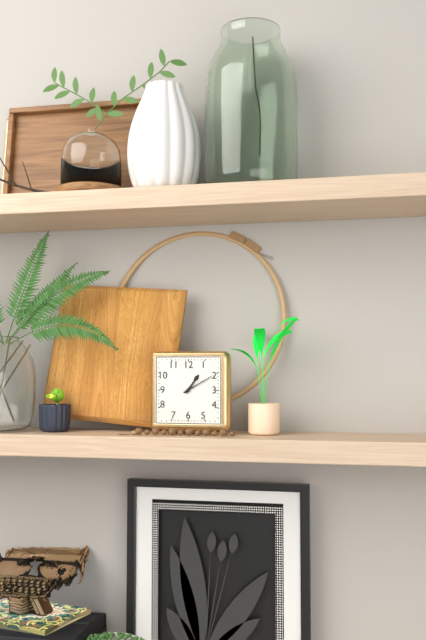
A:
1,10
